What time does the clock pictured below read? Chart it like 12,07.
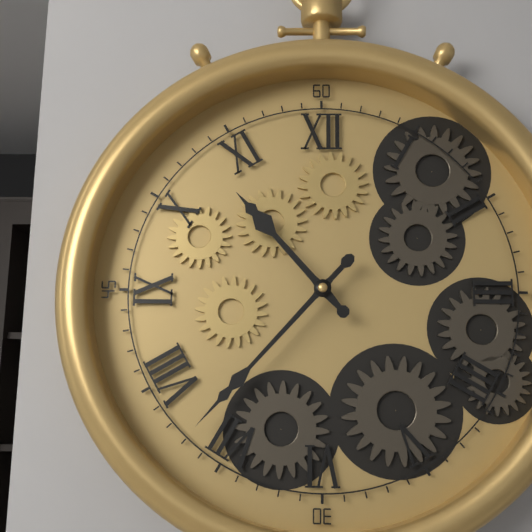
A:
10,37
